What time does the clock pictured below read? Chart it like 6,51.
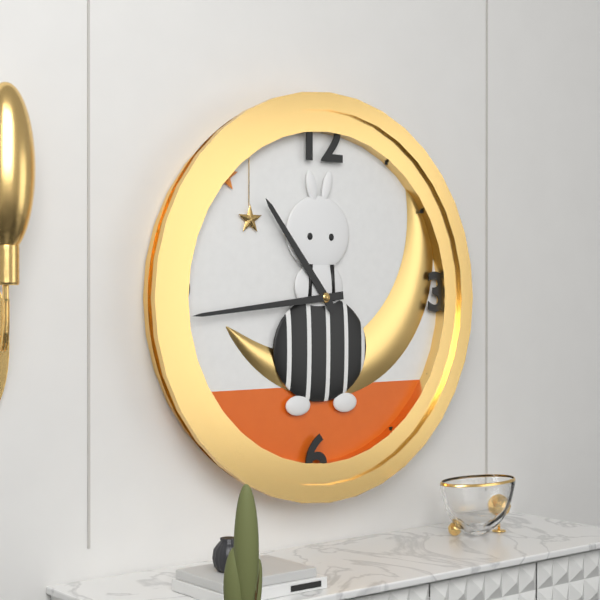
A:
10,44
